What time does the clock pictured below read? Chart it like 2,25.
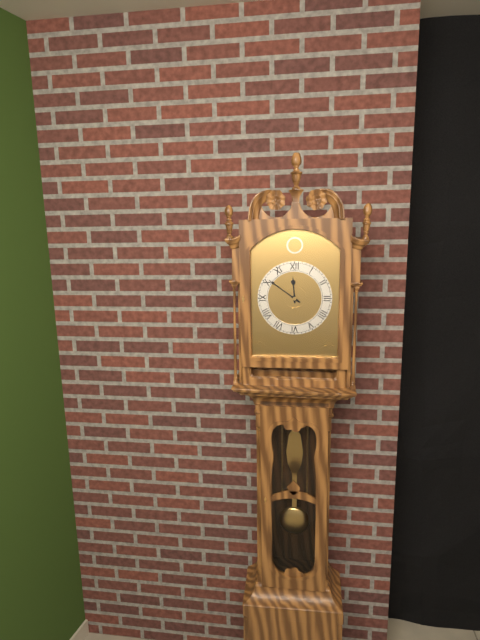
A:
11,51
